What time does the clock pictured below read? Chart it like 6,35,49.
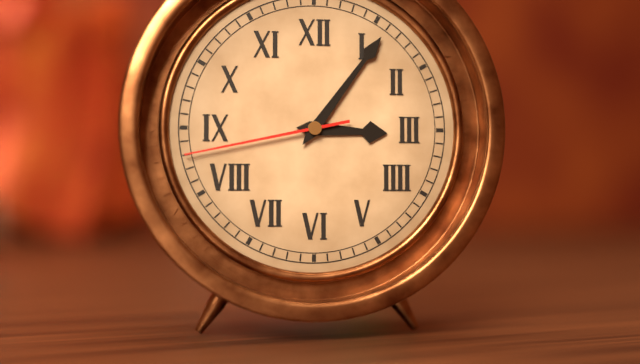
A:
3,06,43
